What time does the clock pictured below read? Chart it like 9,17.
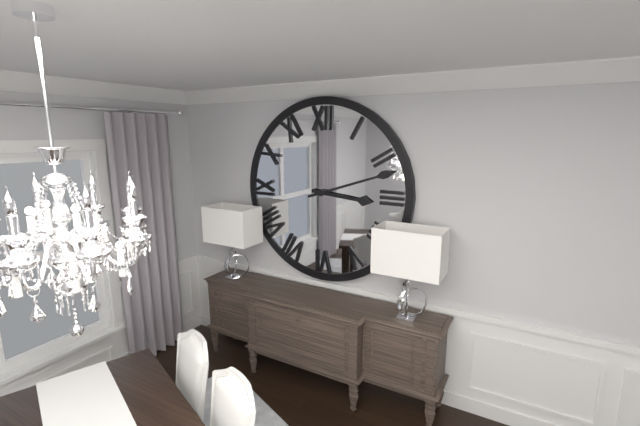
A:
3,12
